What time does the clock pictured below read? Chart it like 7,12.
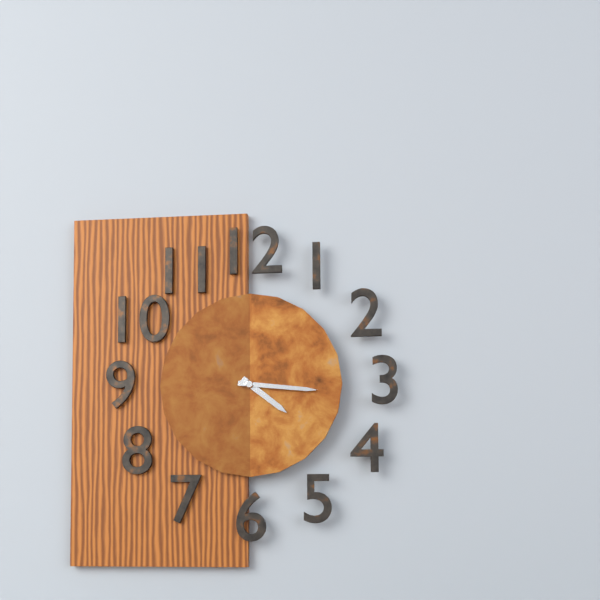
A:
4,16
